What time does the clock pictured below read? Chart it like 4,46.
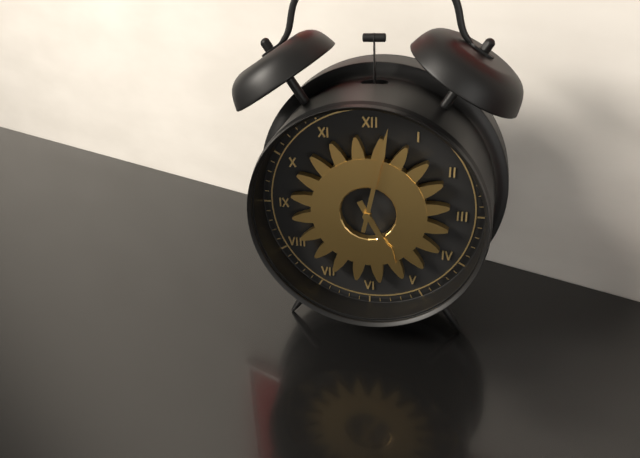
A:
5,02
